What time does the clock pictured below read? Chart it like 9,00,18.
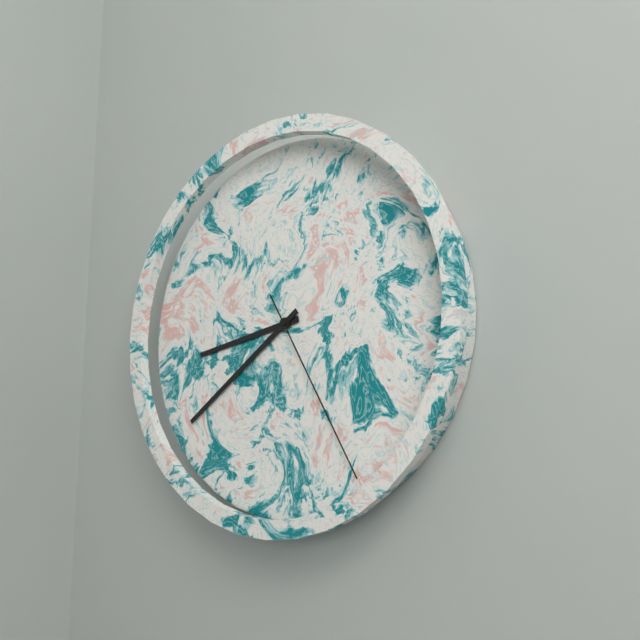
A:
8,39,25
